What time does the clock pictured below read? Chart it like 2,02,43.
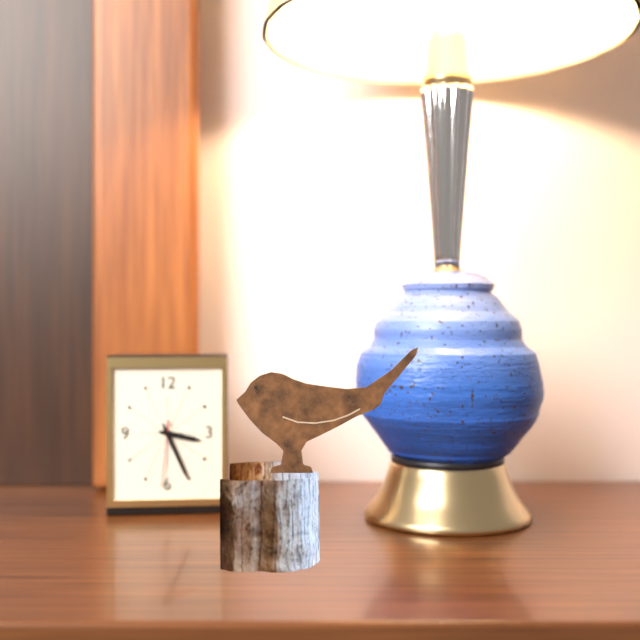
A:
3,26,31
